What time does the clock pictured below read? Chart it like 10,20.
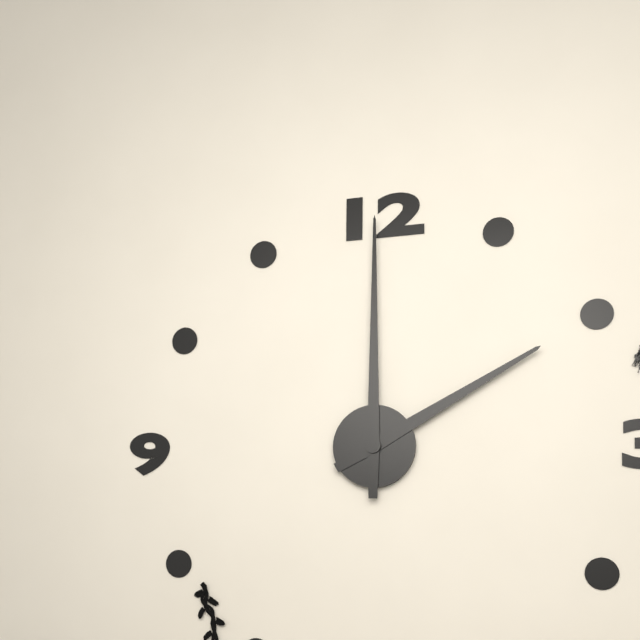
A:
2,00
